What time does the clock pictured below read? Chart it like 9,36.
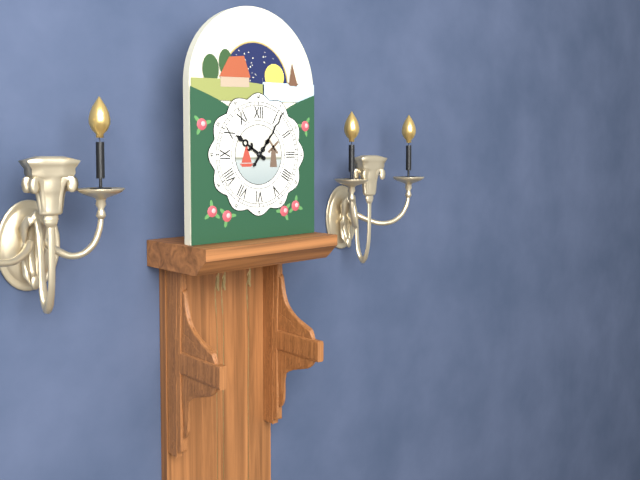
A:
10,06
